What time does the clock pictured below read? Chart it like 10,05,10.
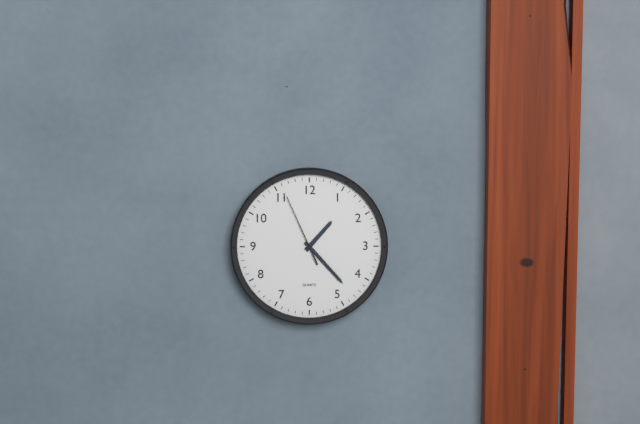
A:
1,23,56
